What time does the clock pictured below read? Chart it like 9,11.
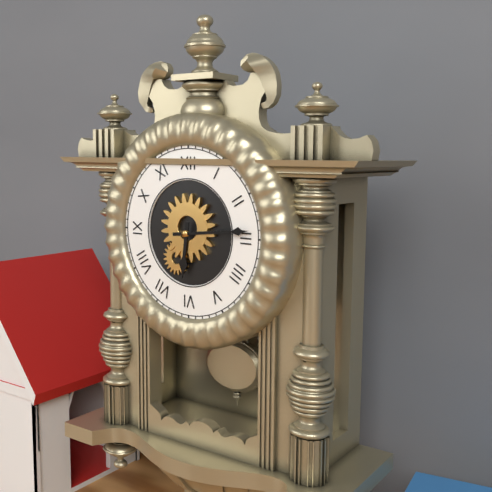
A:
6,14
